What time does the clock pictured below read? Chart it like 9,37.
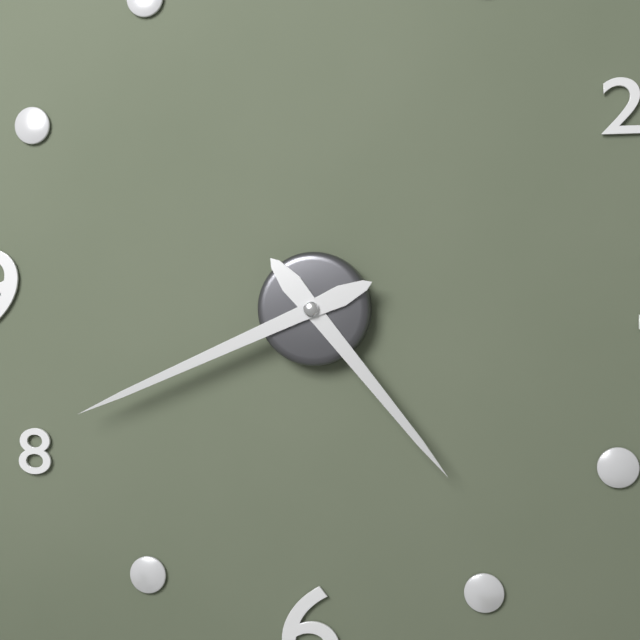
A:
4,41
